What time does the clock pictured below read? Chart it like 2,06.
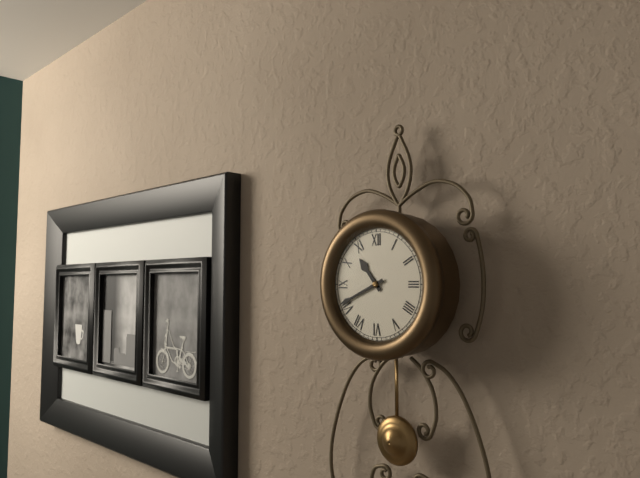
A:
10,41
